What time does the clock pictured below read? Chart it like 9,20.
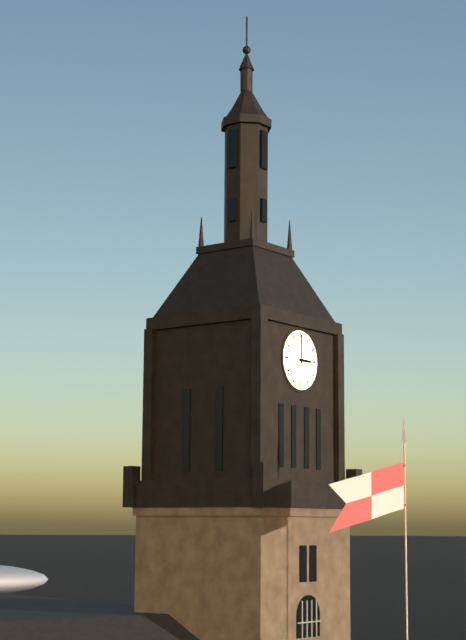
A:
3,00
